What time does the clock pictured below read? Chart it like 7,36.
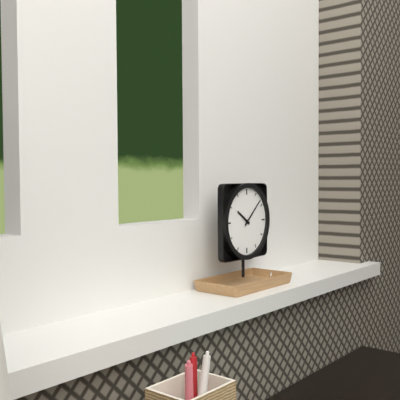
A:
10,08
